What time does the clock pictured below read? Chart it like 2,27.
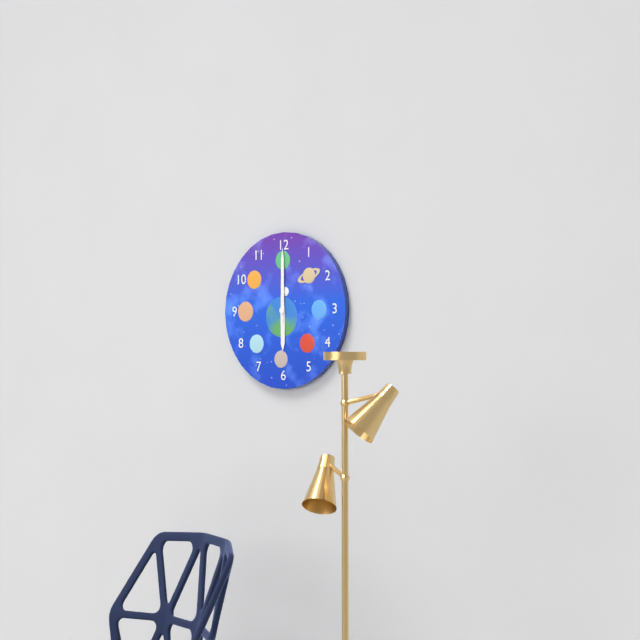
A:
6,00
